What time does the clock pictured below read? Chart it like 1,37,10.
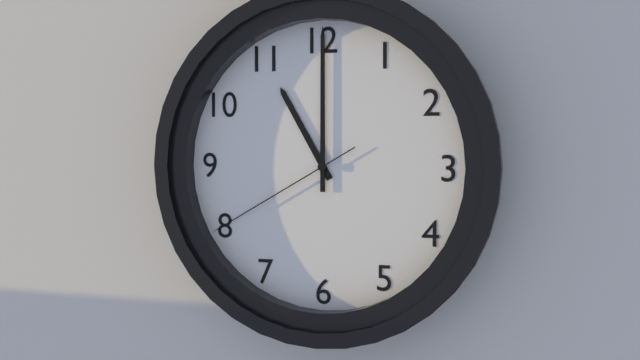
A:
11,00,40
